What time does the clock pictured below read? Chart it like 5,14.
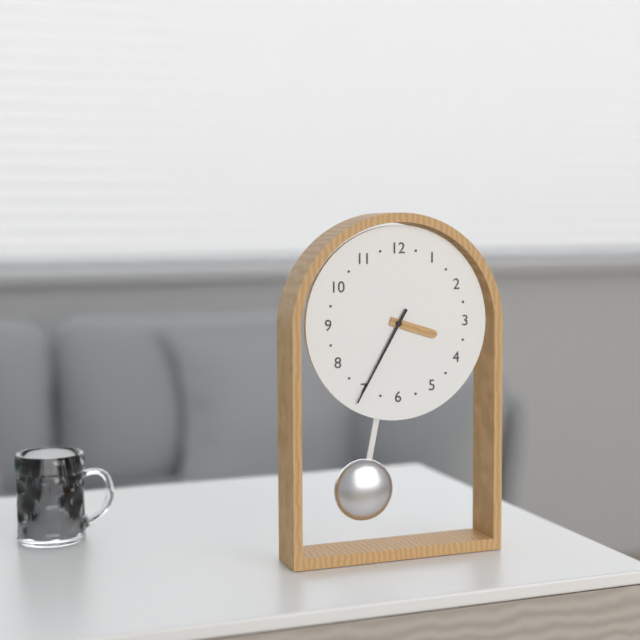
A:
3,35
